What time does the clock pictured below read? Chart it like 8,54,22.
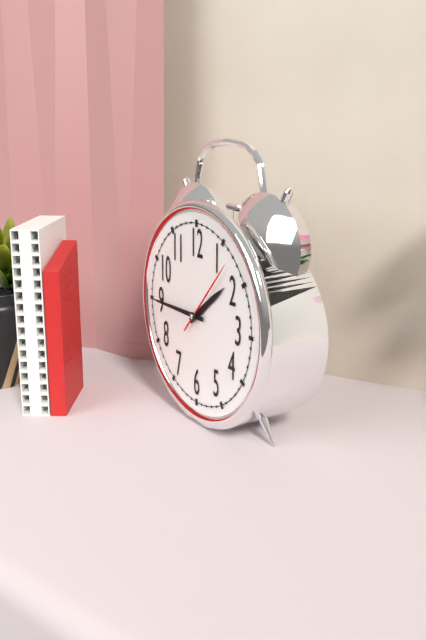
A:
1,45,07
